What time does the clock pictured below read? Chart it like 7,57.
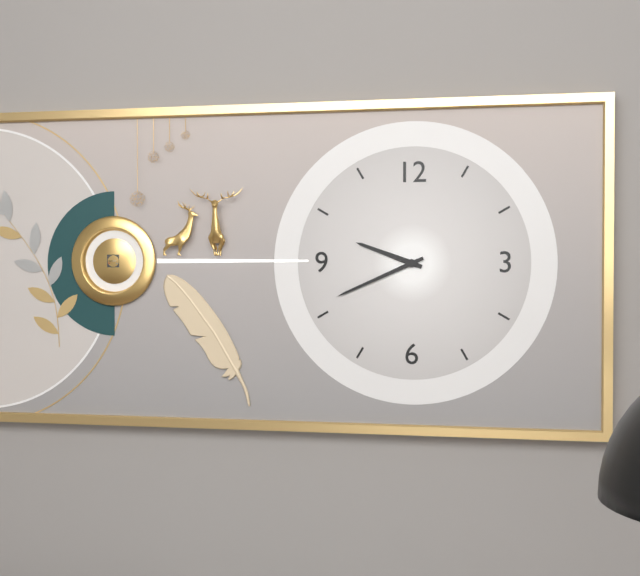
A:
9,41
